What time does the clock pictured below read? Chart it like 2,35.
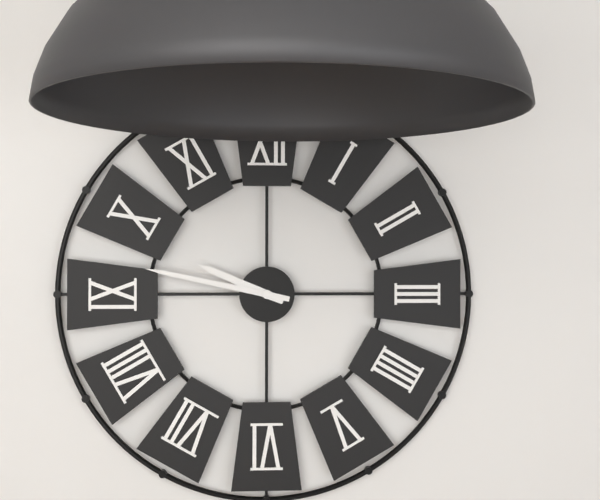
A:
9,47
